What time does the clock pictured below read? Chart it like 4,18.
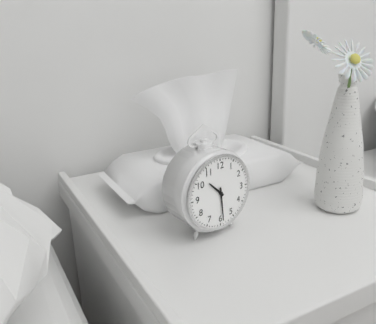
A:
10,29
